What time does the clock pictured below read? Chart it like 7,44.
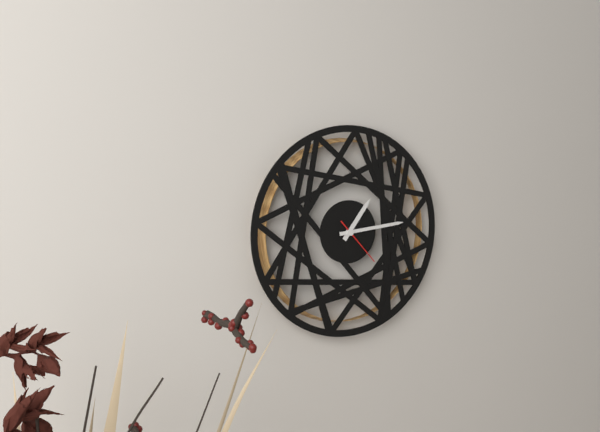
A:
1,14
